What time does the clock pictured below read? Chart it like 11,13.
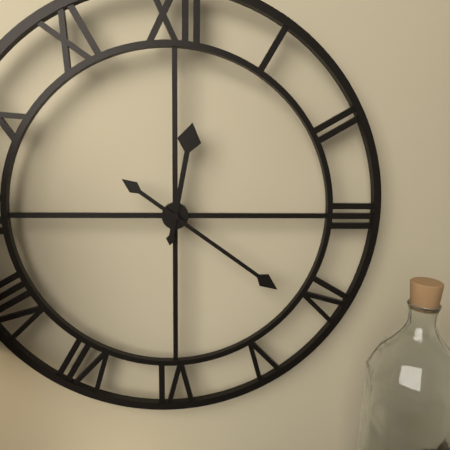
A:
12,21
